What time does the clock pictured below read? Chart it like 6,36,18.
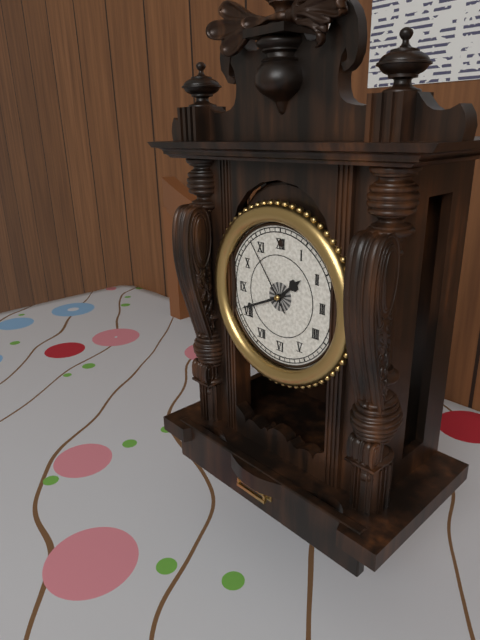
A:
1,41,54
